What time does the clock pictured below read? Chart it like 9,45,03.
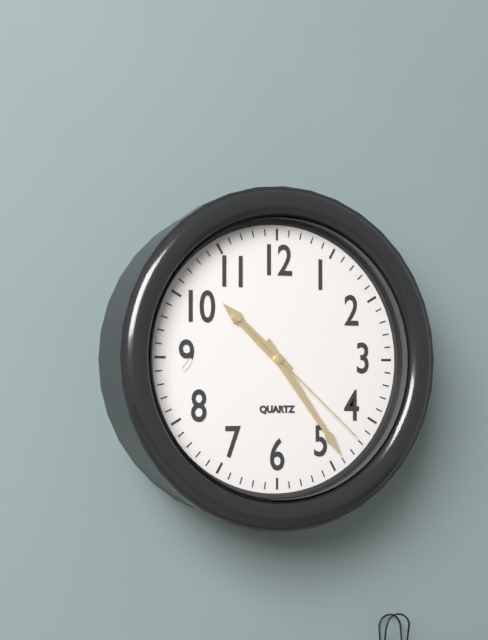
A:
10,24,22
